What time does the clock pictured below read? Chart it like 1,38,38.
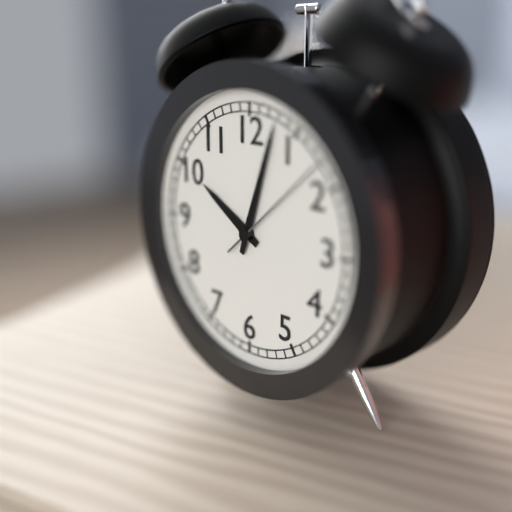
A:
10,03,08
